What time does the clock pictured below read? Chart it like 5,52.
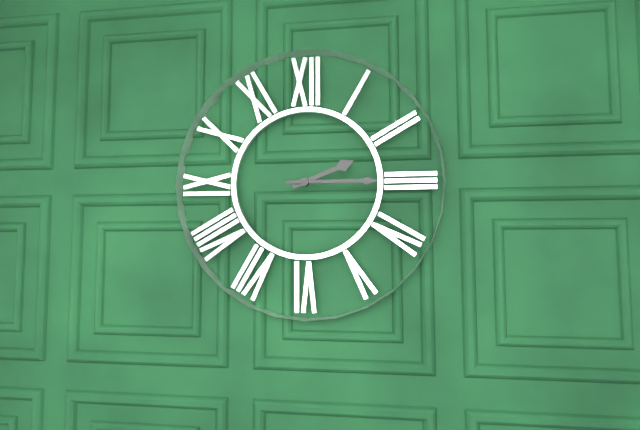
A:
2,15
